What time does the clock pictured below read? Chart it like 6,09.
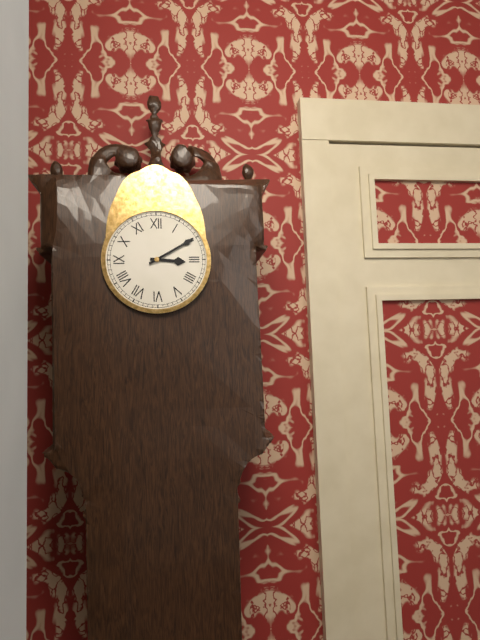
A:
3,10
